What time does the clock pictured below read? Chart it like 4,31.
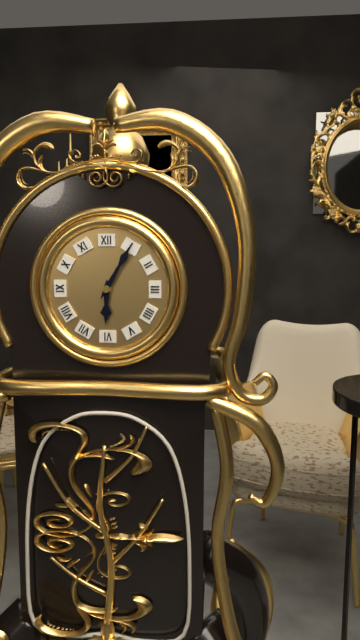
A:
6,05
